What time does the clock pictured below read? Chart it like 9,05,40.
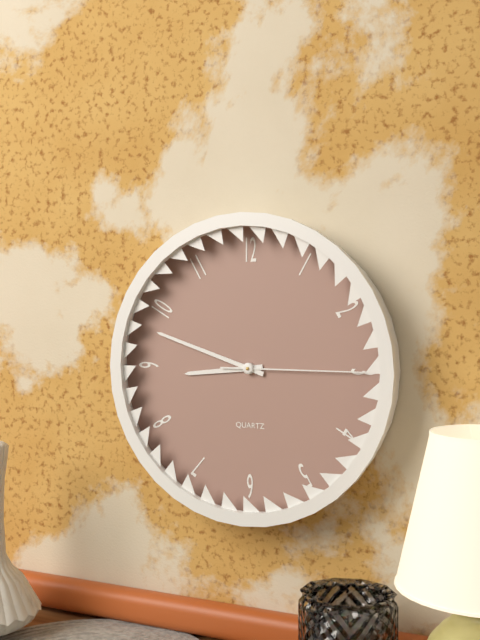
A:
8,48,15
